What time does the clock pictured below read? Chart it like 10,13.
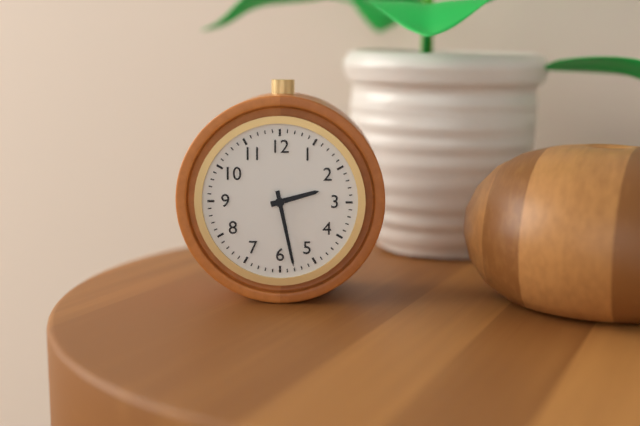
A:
2,28
